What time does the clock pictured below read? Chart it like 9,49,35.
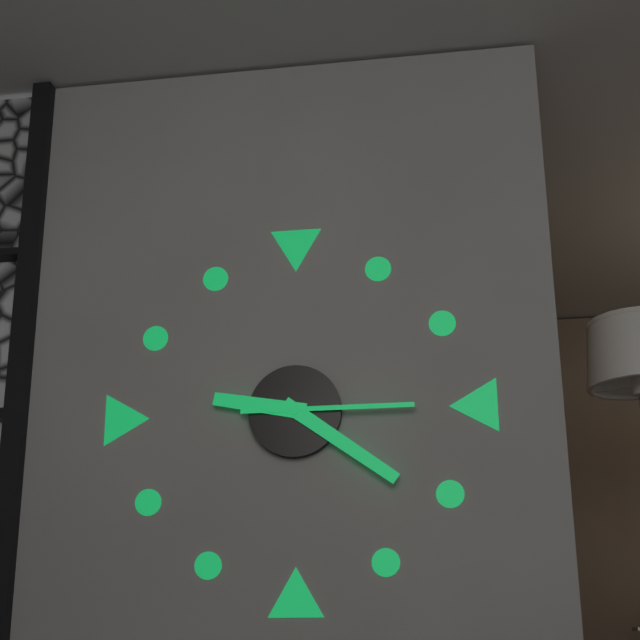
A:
9,21,15
